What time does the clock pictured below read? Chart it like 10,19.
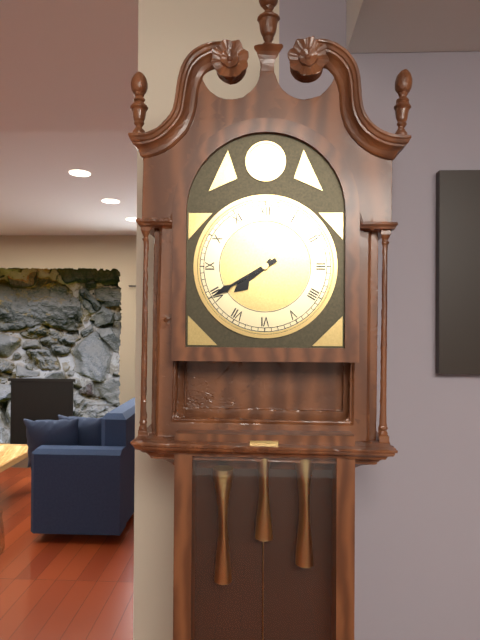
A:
7,40
